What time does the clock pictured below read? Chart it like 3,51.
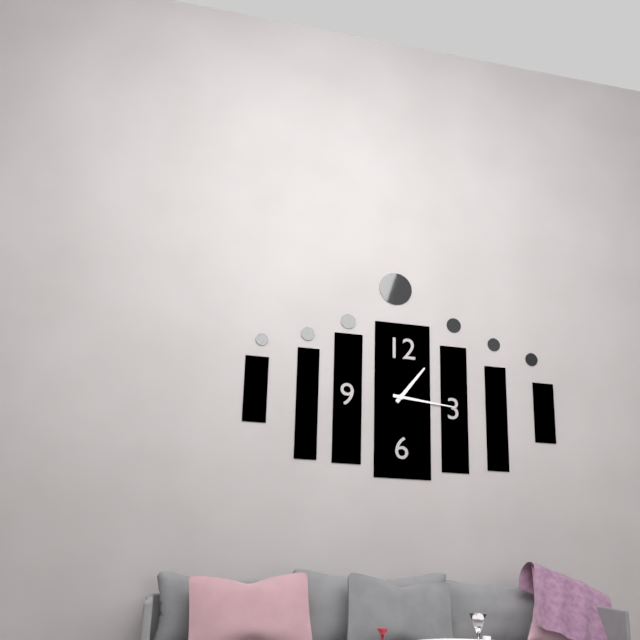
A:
1,16
